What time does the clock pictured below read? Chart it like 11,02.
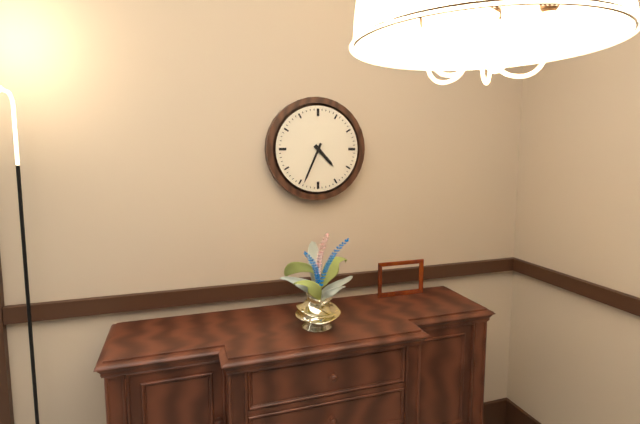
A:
4,34
